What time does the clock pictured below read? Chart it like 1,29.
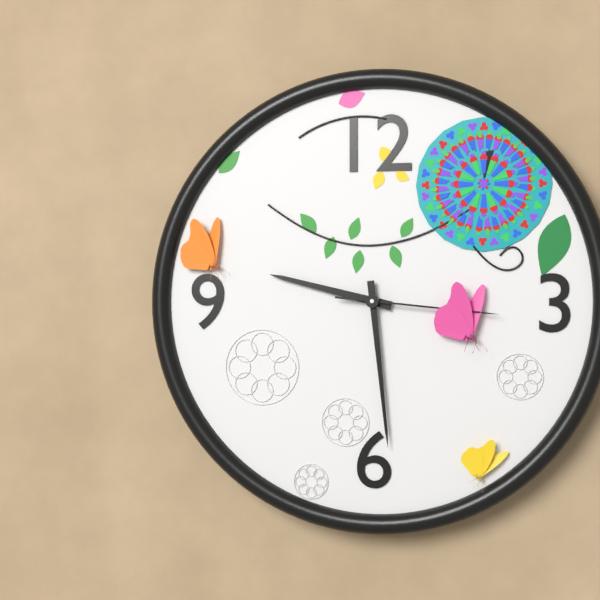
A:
9,29
